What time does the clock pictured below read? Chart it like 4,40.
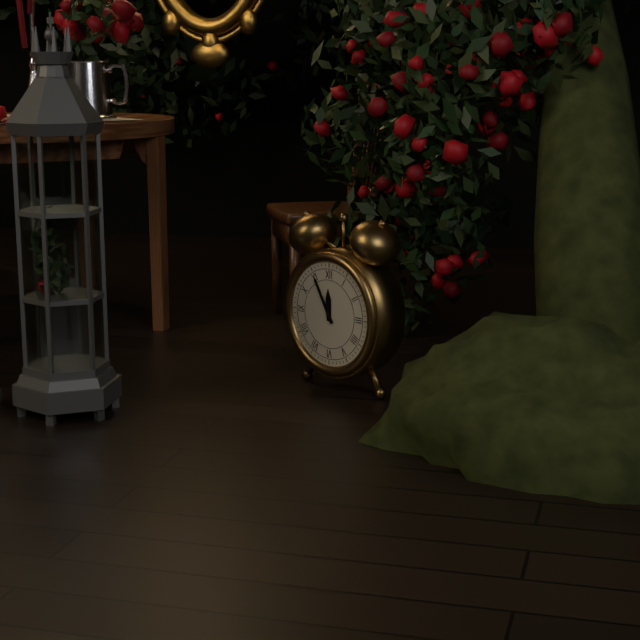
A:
11,55
